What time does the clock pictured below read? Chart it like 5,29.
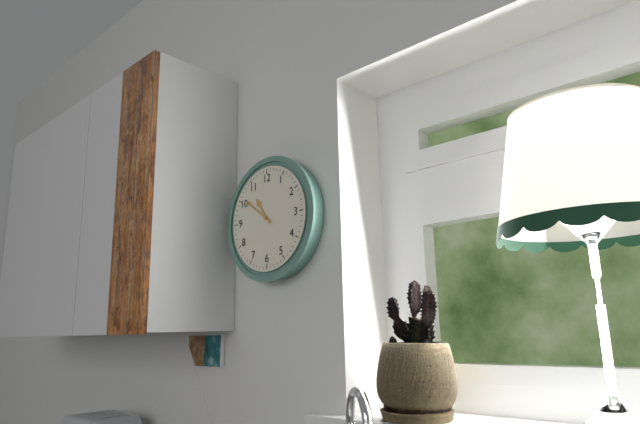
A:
10,51
